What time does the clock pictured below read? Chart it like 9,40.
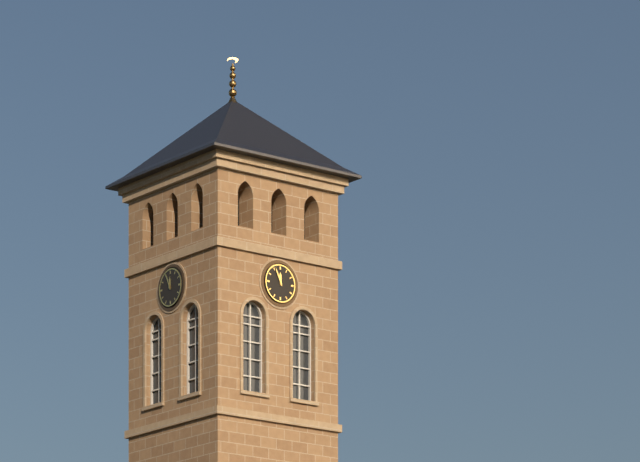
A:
11,56
